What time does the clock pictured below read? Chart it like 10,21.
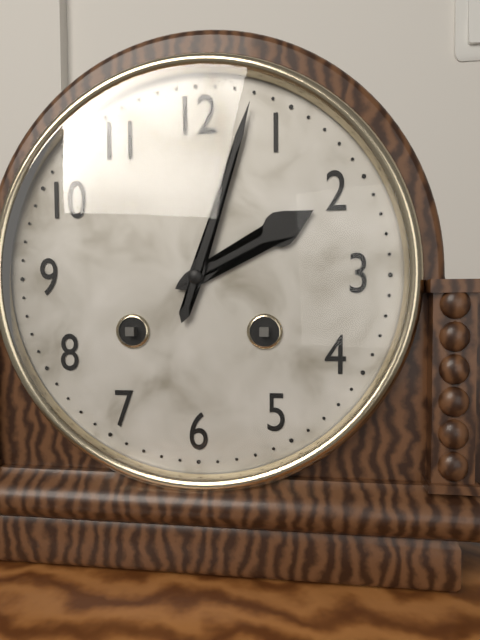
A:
2,03
